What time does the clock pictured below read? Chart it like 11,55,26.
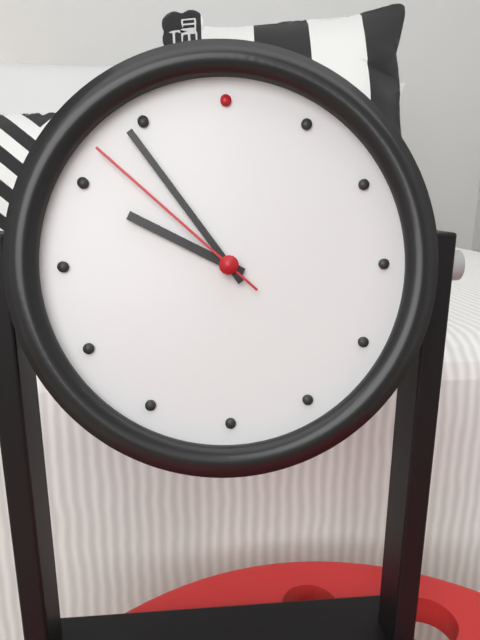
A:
9,54,52
